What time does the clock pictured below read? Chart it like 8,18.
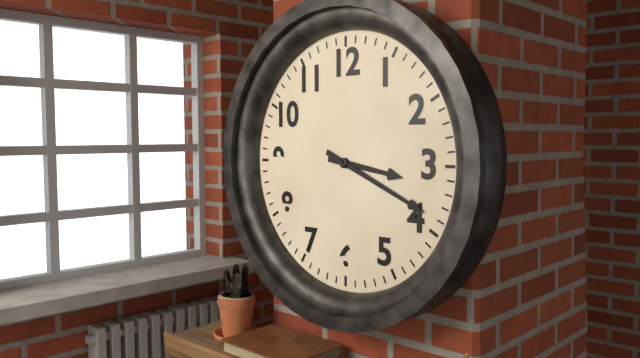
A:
3,19
